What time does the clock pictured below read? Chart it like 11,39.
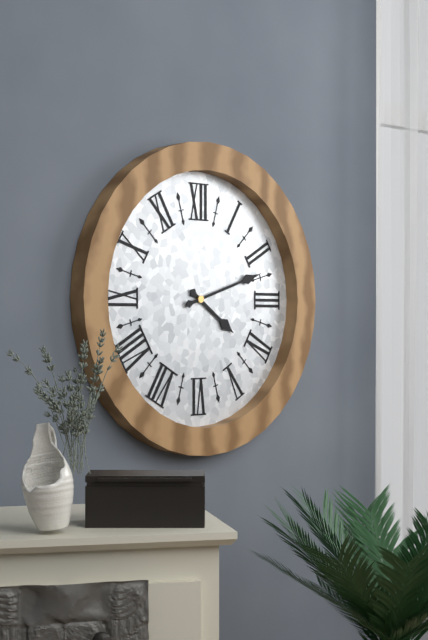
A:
4,12
